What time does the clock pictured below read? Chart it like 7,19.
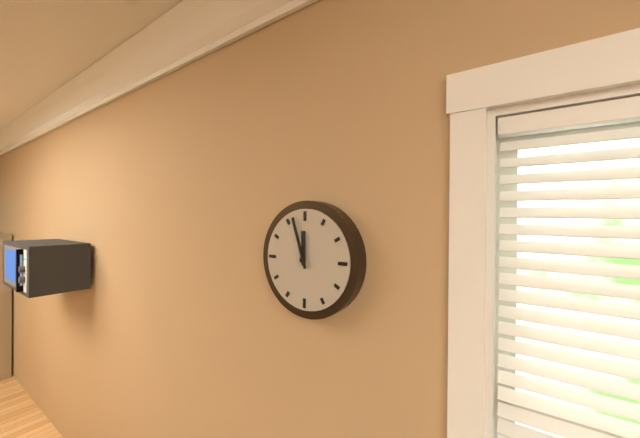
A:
11,57
